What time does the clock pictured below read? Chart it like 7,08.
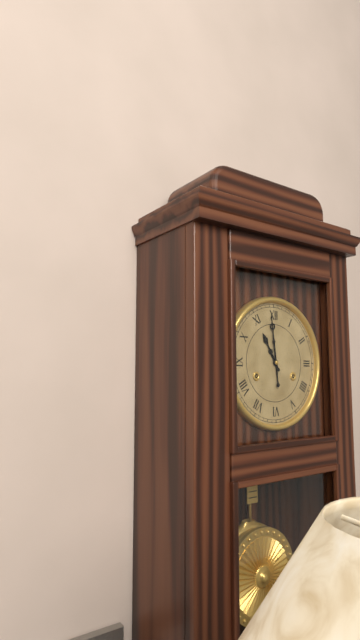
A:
10,59
